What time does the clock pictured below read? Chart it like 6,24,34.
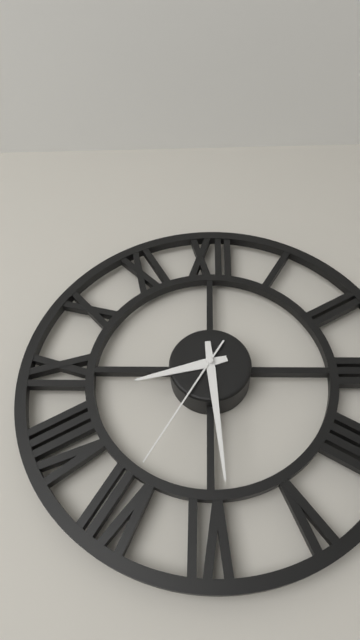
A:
8,29,35
